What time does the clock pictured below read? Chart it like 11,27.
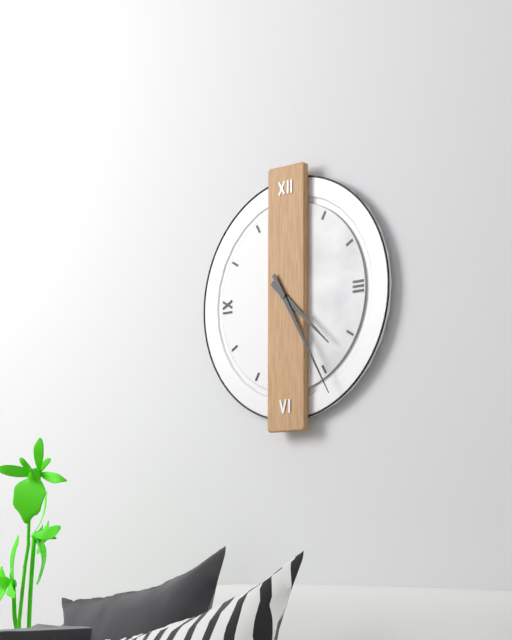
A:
4,25
